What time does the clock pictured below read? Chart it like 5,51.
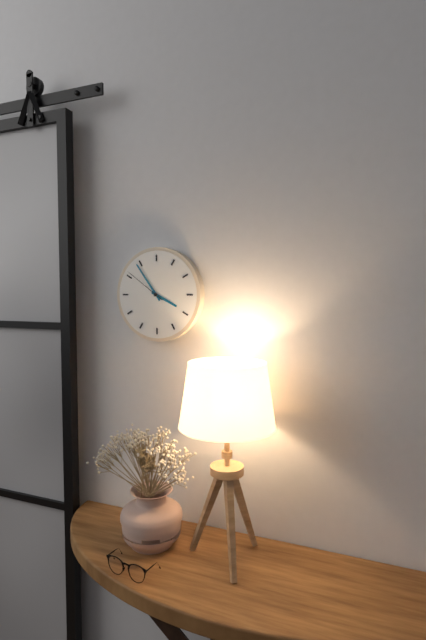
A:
3,54
